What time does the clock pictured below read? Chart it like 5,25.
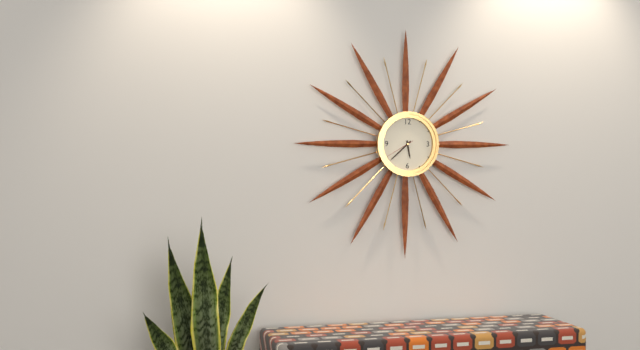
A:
5,38
